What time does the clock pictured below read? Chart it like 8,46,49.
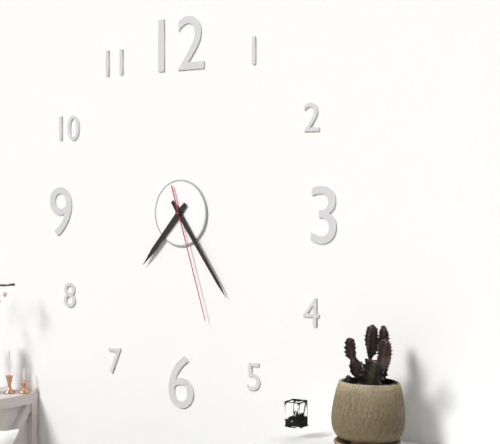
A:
7,24,27
